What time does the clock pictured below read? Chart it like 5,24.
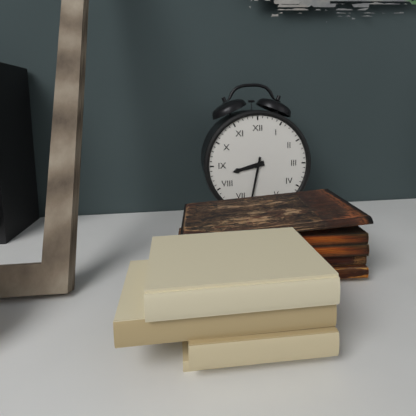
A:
8,32
